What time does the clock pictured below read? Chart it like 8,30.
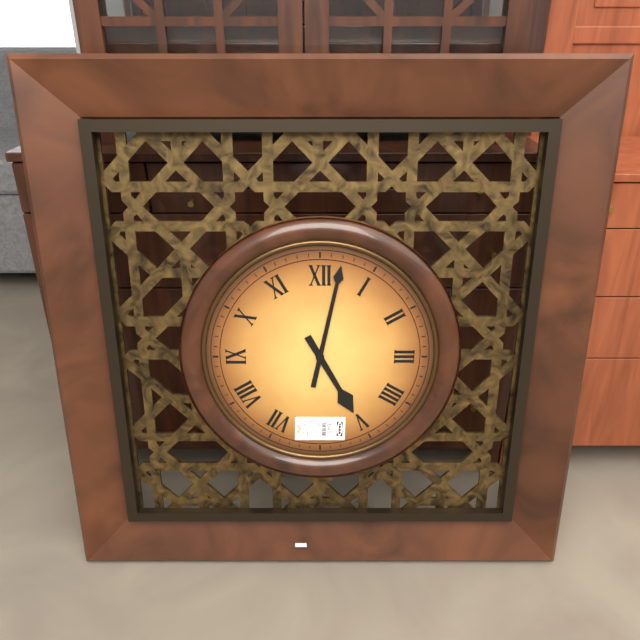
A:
5,02
